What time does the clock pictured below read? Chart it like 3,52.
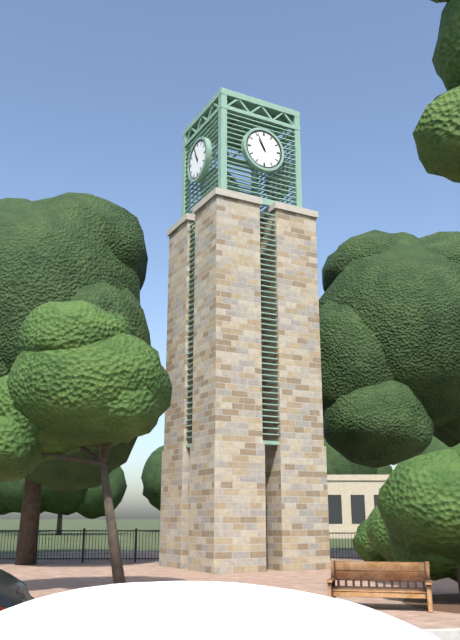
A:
10,56
